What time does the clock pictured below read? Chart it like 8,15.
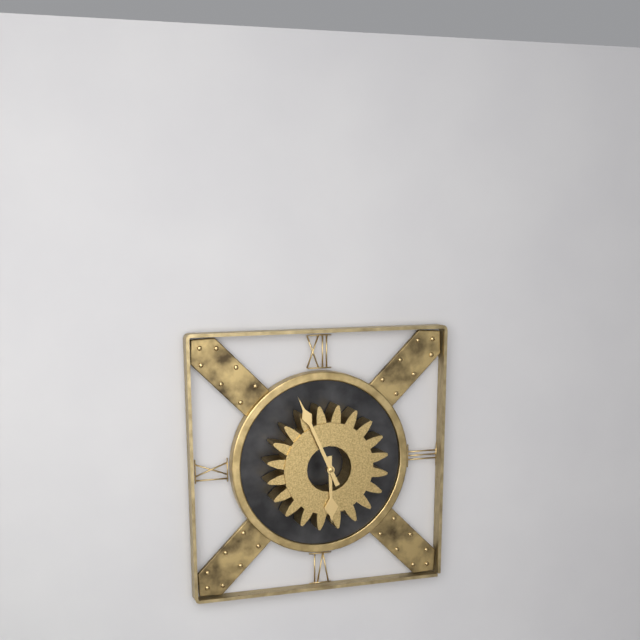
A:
5,56
